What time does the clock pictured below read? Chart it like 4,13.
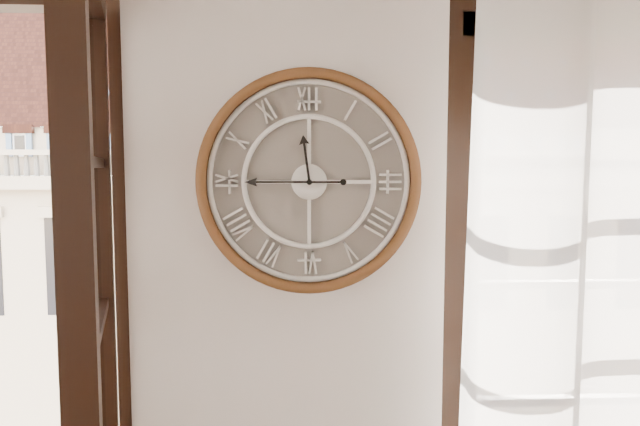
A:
11,45
